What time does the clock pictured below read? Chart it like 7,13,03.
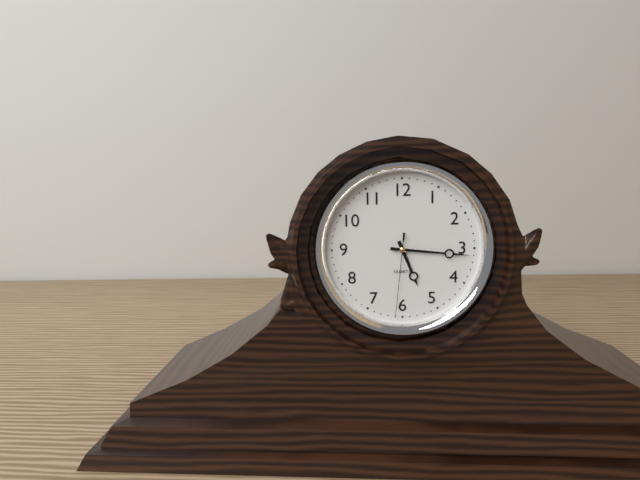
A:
5,16,31
